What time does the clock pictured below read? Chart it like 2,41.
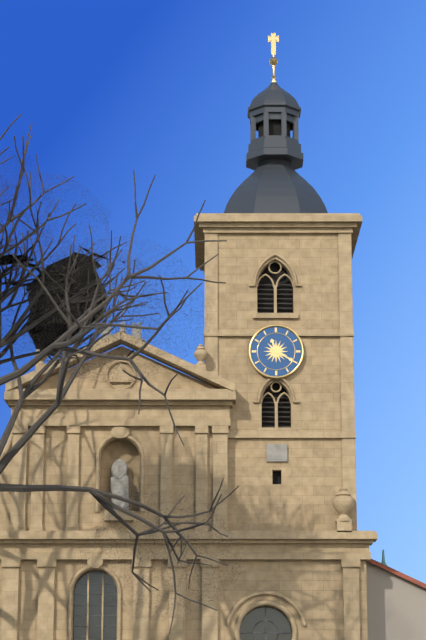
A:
11,20
